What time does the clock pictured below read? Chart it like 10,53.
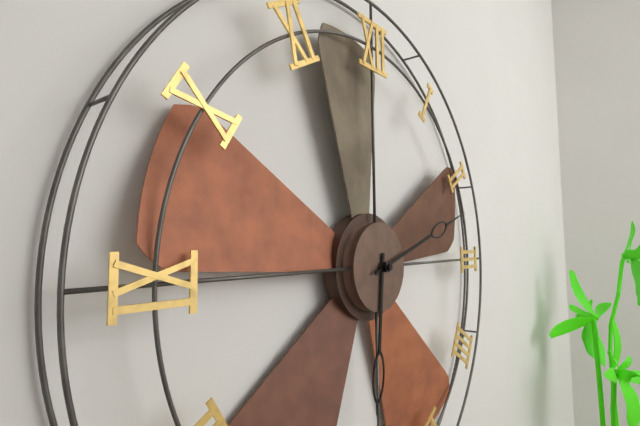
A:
6,12
